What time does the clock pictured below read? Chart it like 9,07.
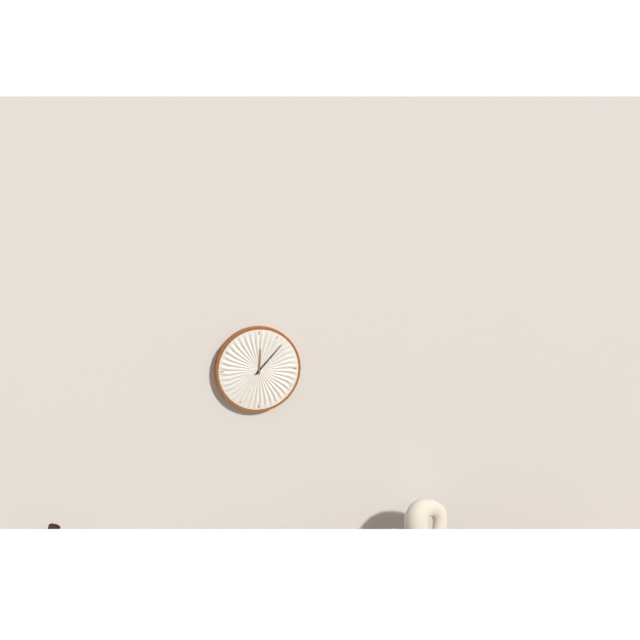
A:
12,07
